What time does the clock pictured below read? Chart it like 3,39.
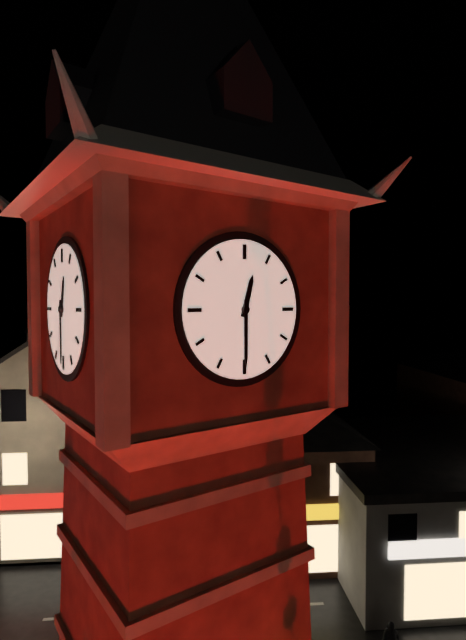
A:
12,30
